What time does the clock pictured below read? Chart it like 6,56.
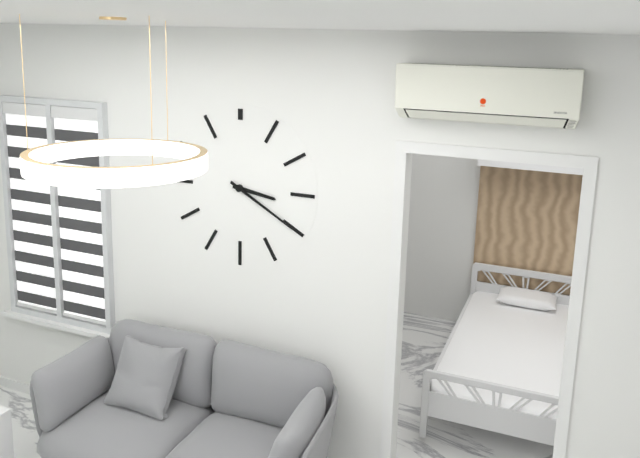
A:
3,20
